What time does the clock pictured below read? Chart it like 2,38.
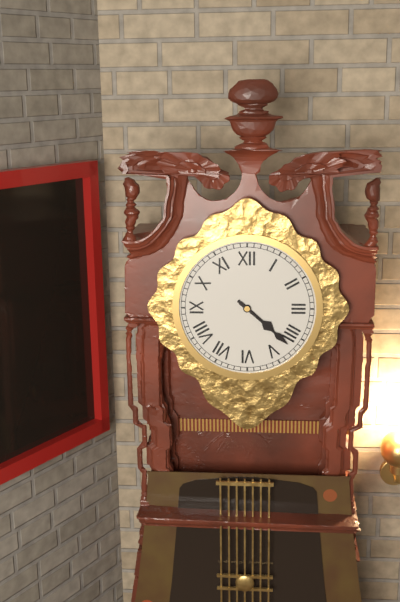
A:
4,22
